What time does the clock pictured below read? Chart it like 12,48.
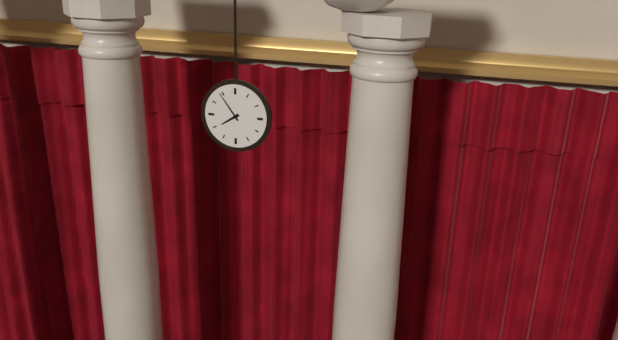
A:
7,54
